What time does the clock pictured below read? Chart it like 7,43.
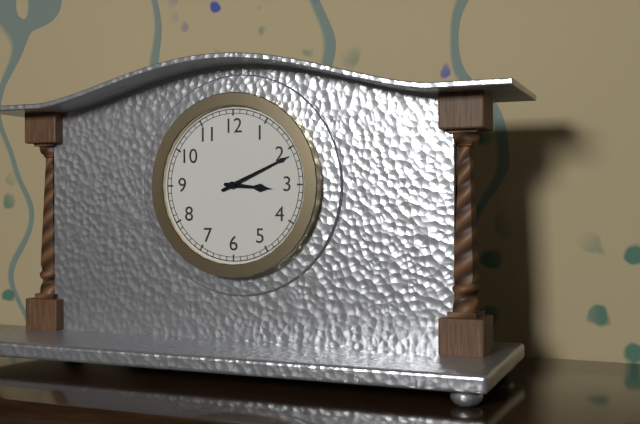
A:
3,11
